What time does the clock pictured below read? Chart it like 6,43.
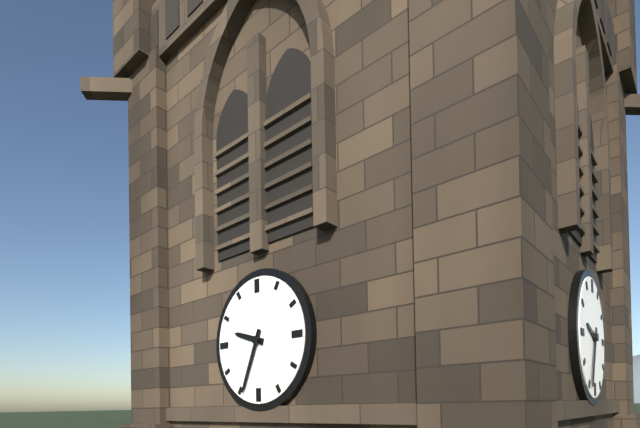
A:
9,34
